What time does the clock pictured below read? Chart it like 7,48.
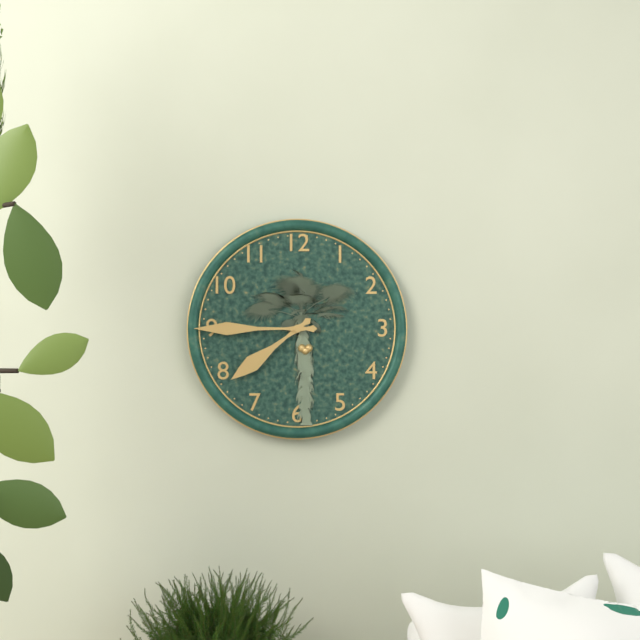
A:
7,45
